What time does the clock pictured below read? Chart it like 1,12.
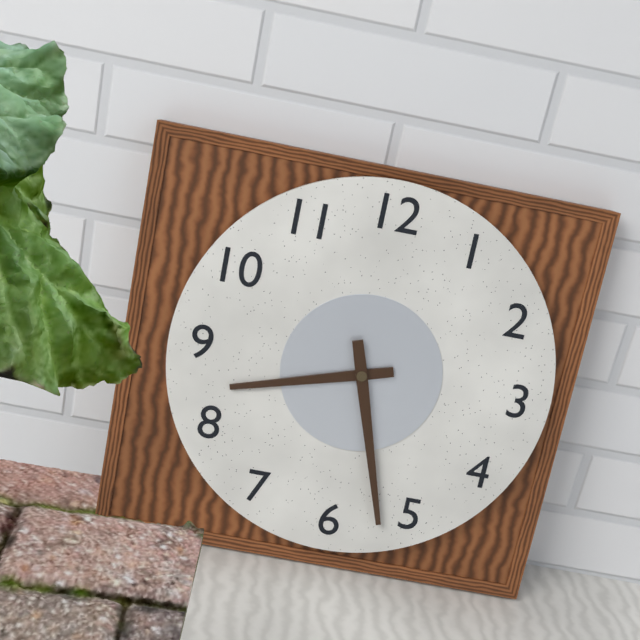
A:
8,27
